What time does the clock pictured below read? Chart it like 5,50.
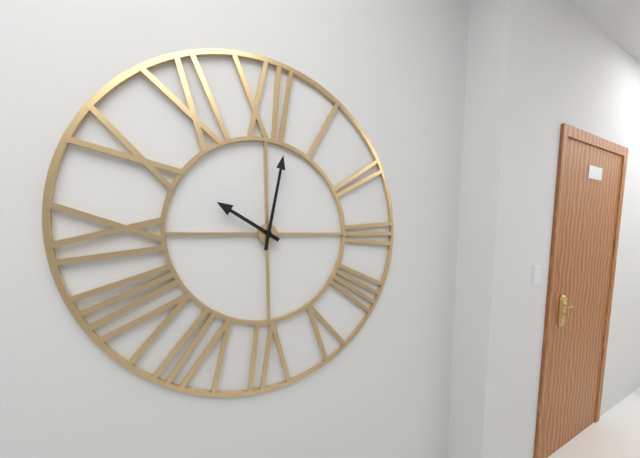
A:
10,02
